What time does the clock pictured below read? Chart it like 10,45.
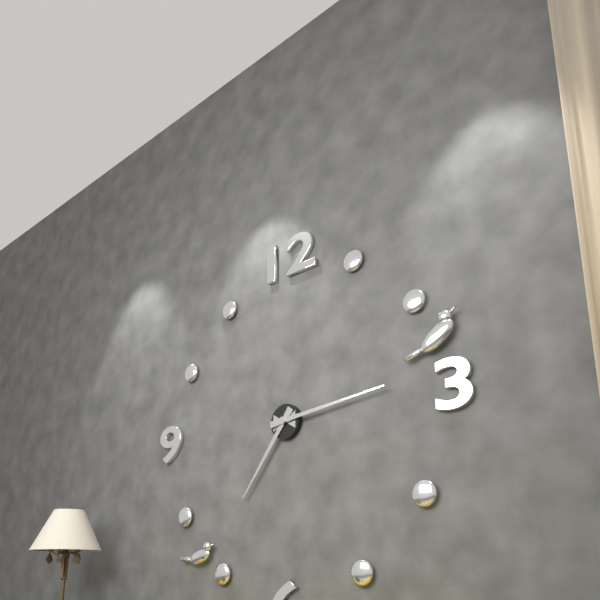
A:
7,14
